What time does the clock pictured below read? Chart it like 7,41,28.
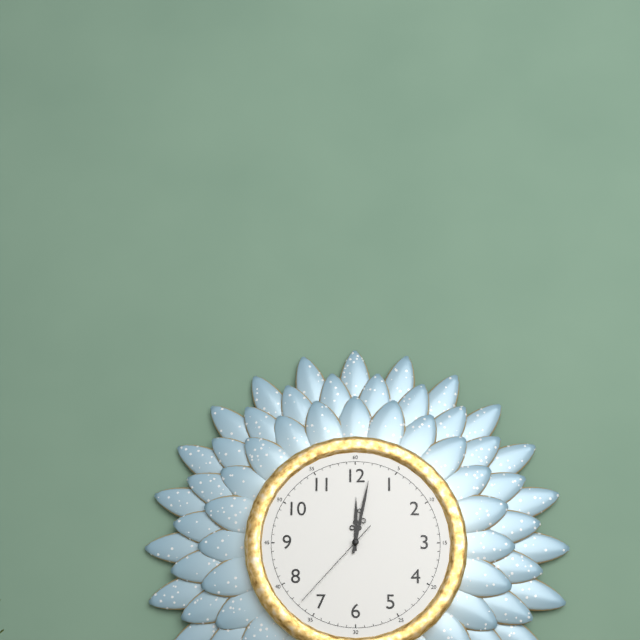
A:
12,02,37
